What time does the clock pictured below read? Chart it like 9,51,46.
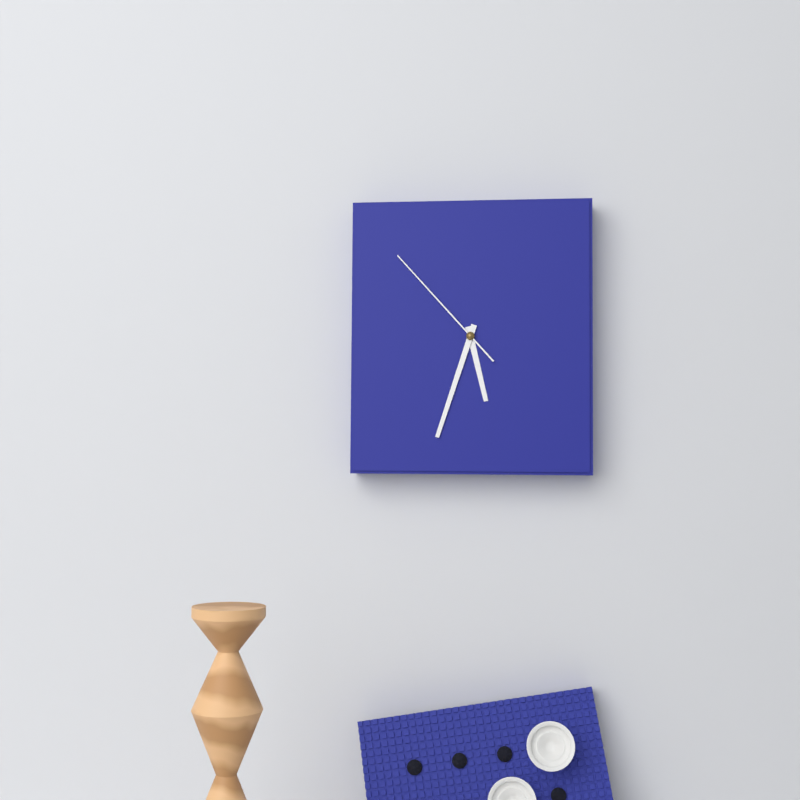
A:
5,33,53
